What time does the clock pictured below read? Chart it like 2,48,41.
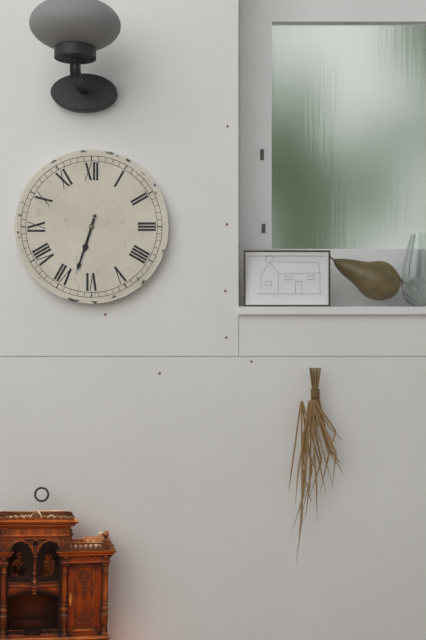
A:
6,33,33
